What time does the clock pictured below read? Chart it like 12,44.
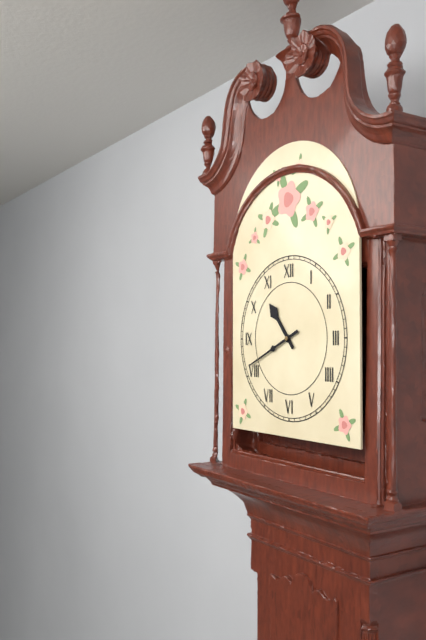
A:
10,41
